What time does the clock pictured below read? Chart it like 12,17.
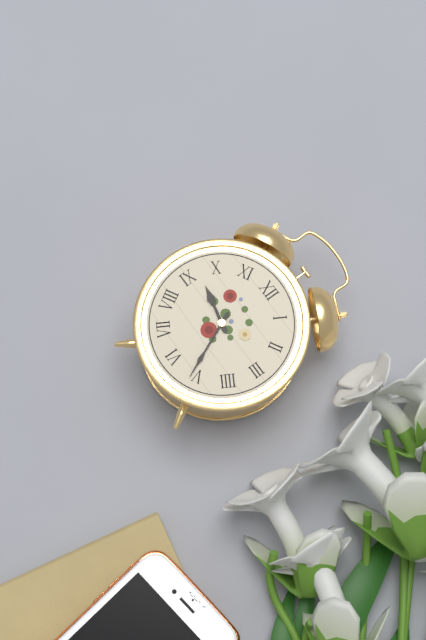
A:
9,26
